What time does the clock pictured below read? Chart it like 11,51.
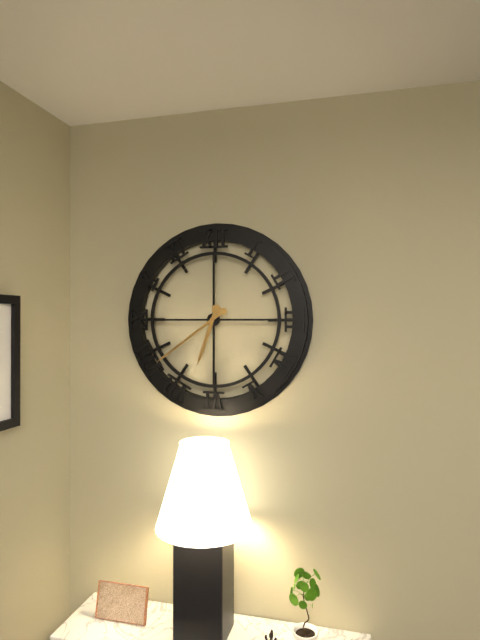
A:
6,39
